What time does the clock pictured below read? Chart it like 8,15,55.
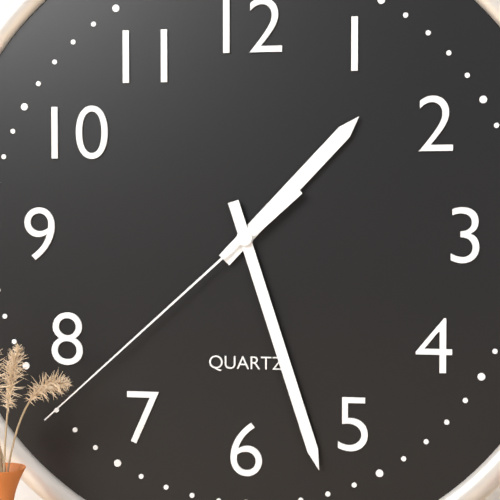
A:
1,27,38
